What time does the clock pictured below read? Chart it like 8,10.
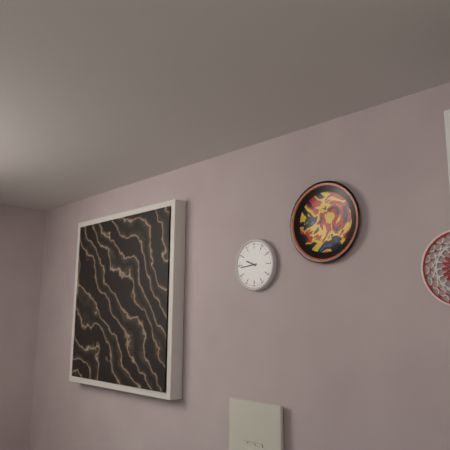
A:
9,44
